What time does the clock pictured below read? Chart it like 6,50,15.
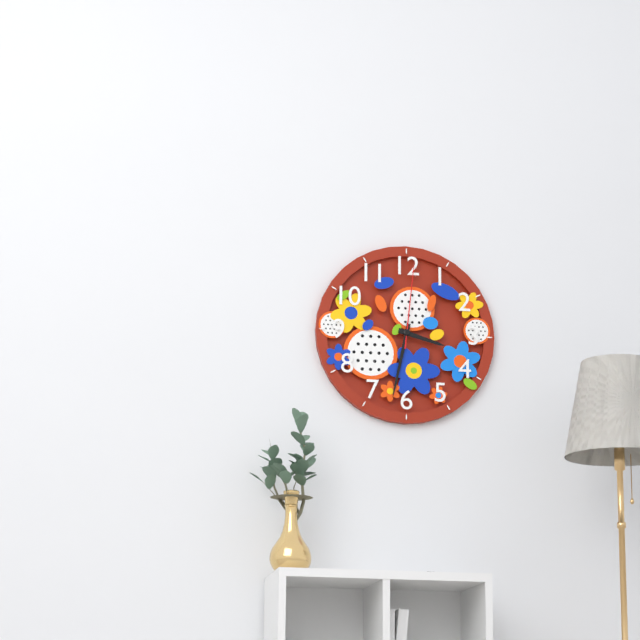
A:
3,32,01
